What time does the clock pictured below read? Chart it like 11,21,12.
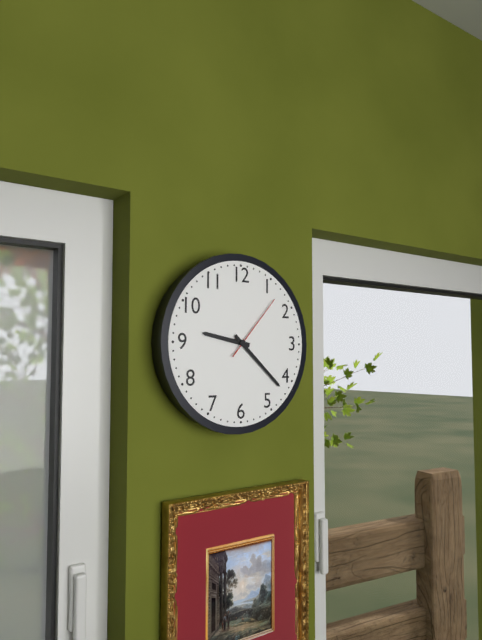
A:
9,22,07
